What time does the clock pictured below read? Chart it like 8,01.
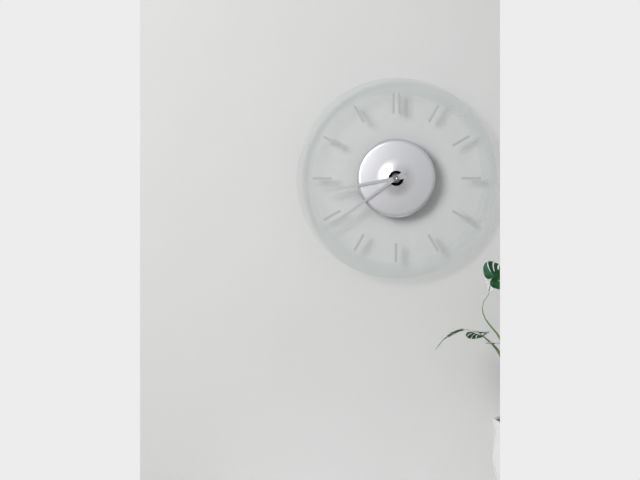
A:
8,39
